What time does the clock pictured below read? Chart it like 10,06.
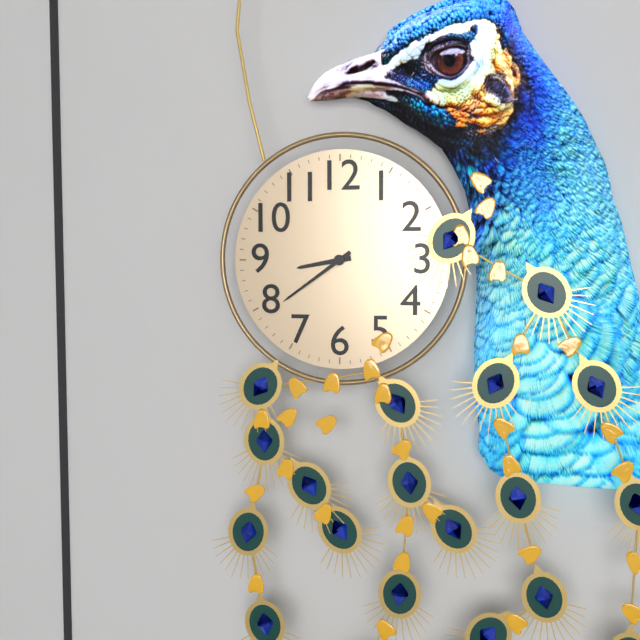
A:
8,39
